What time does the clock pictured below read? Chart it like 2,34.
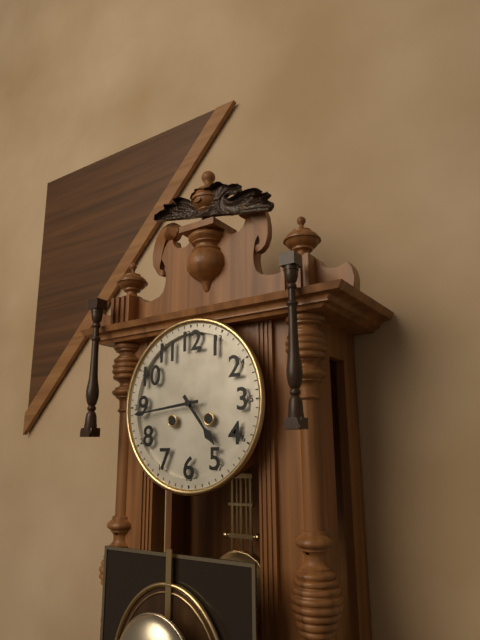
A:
4,44
